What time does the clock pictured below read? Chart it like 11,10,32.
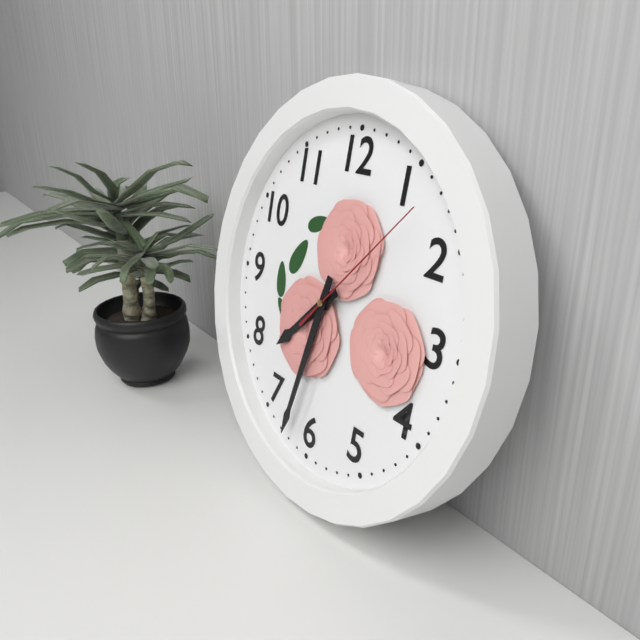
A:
7,32,07
